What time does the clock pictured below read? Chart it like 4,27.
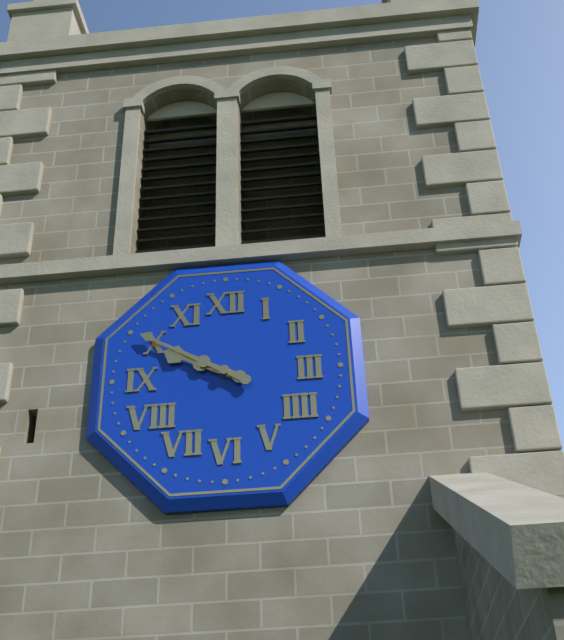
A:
9,50
